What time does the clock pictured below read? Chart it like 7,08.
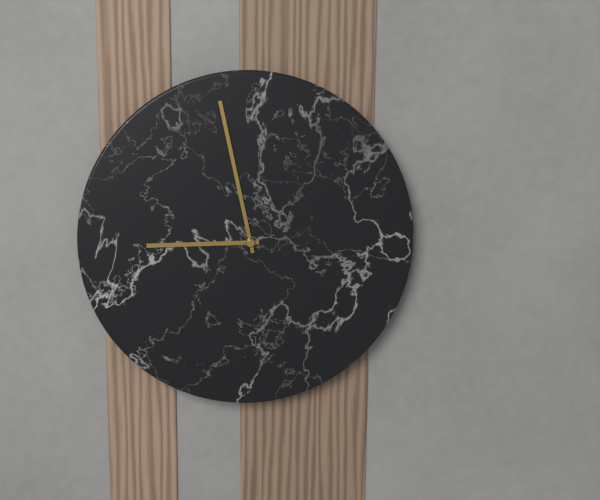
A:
8,58
